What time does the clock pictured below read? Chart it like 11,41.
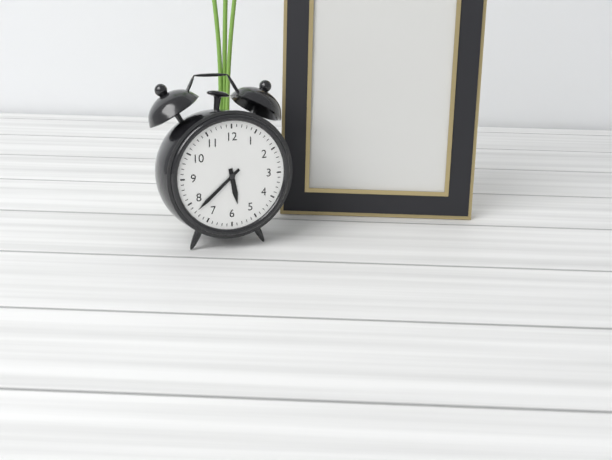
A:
5,38
